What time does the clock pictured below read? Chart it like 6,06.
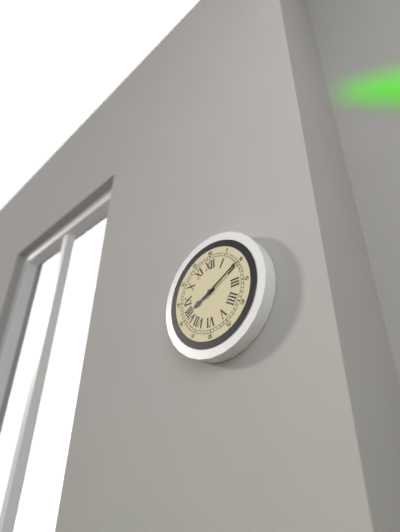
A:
8,10
